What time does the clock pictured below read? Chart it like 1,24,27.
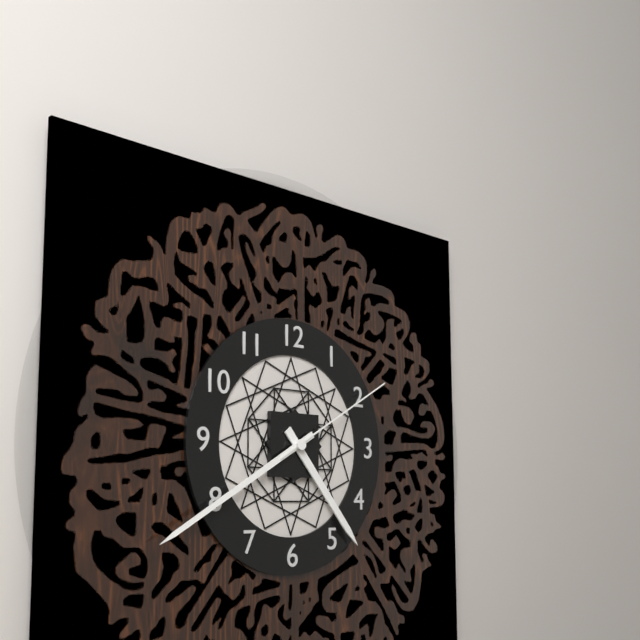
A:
4,40,10
